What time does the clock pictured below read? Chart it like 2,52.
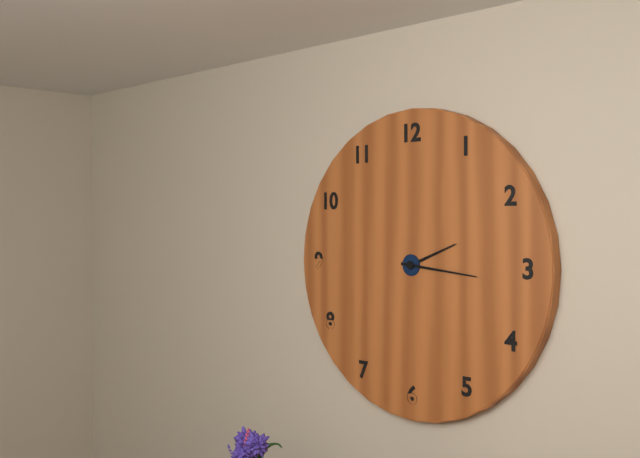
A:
2,16
